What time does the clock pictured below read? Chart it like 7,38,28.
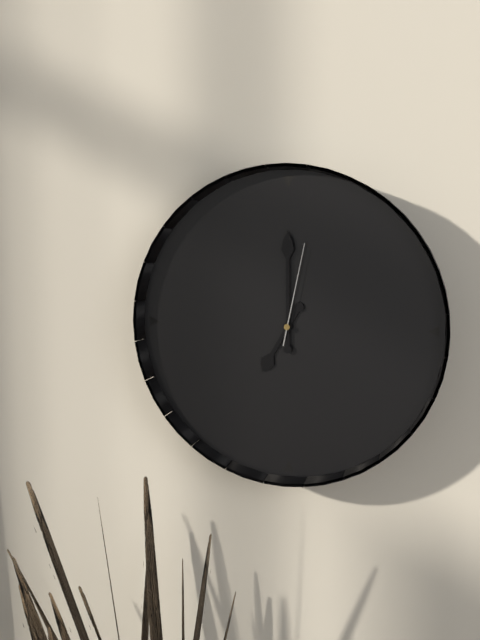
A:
7,00,02
